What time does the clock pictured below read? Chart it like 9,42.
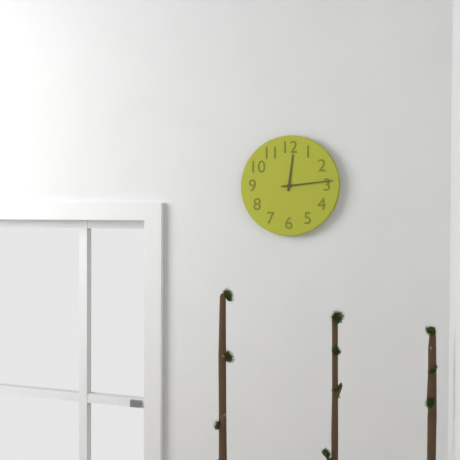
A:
12,14
